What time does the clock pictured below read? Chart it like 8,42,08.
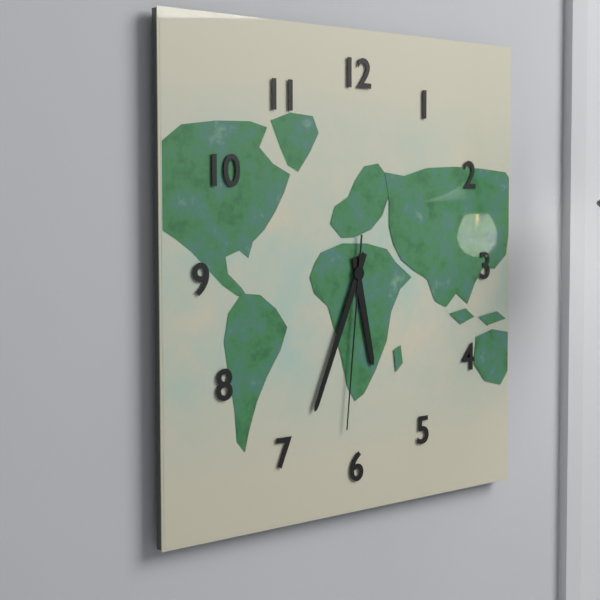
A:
5,34,31
